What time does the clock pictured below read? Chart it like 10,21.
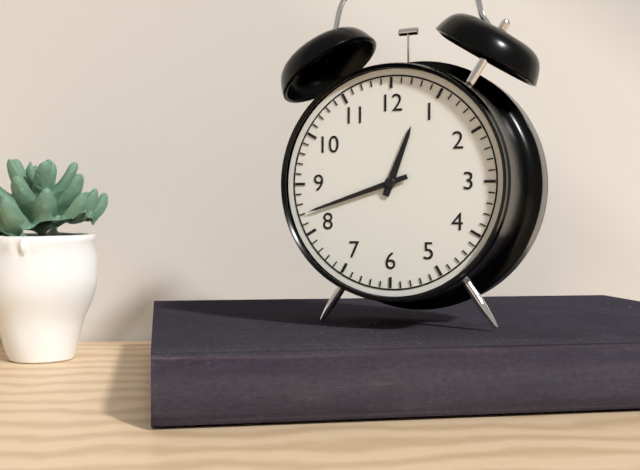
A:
12,42
